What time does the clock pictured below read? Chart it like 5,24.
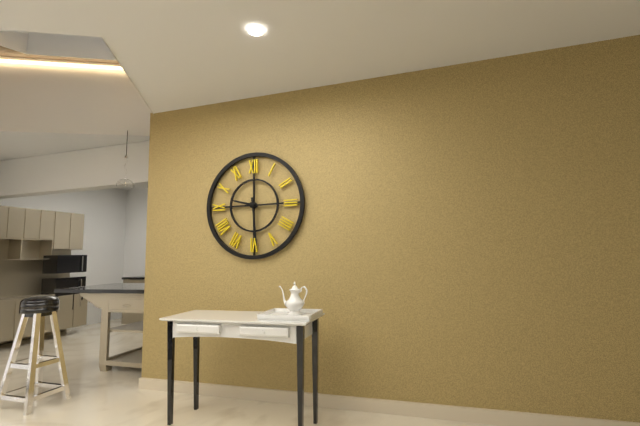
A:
9,29
